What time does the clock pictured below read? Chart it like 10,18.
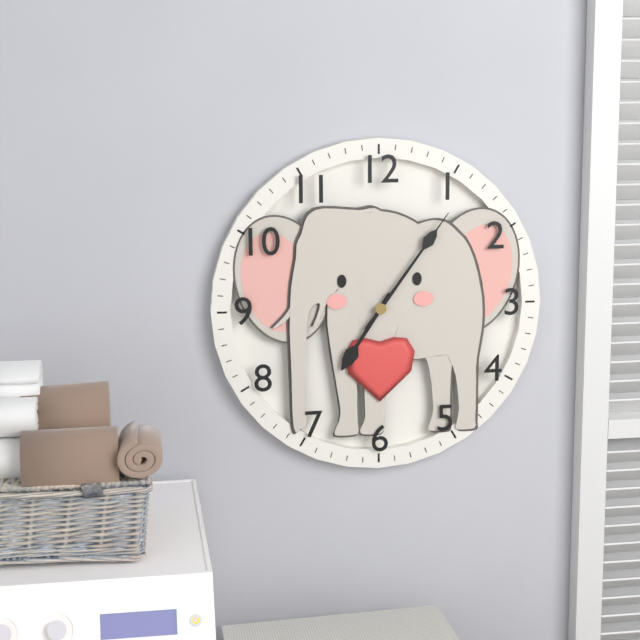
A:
7,06
